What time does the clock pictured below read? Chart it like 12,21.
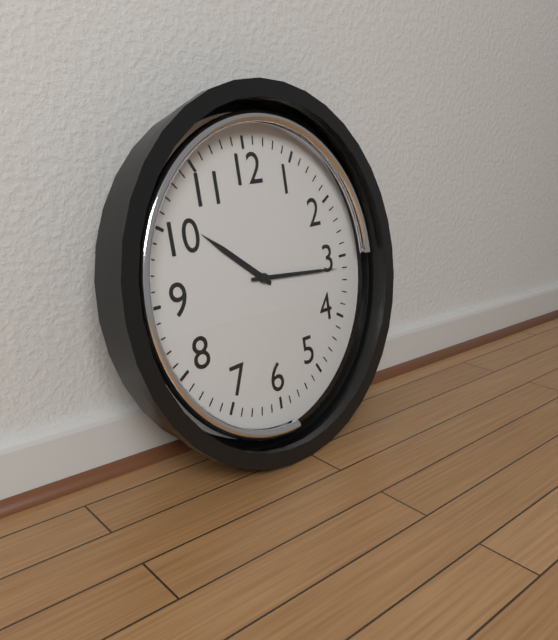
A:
10,16
